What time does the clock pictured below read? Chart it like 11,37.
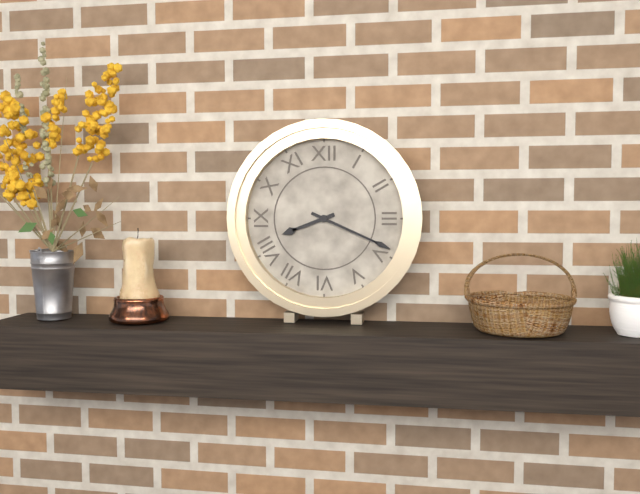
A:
8,19
